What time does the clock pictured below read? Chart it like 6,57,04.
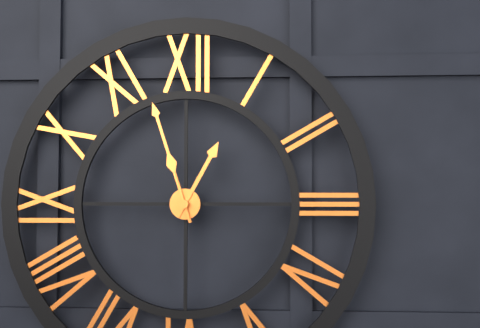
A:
12,57,57
